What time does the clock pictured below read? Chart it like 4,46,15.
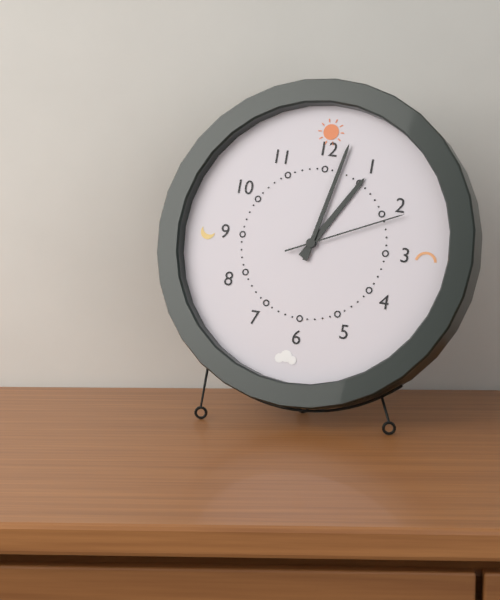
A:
1,02,11
